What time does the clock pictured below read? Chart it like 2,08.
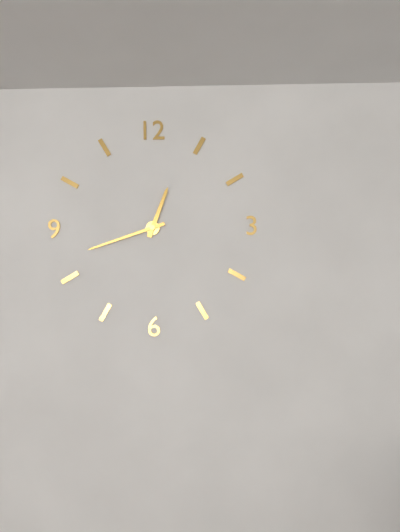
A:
12,42
